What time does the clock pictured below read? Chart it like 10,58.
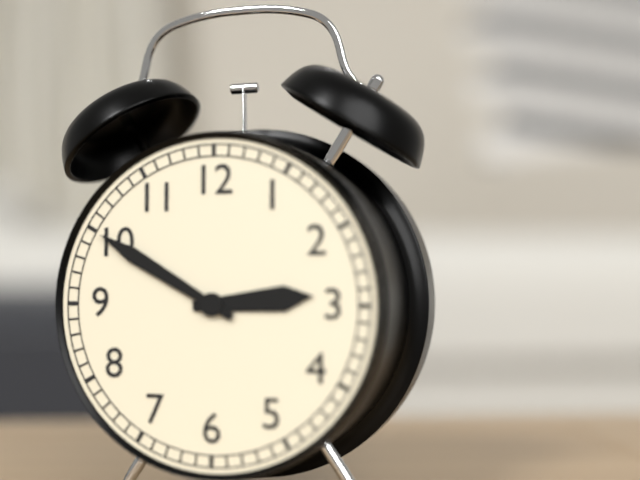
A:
2,50
